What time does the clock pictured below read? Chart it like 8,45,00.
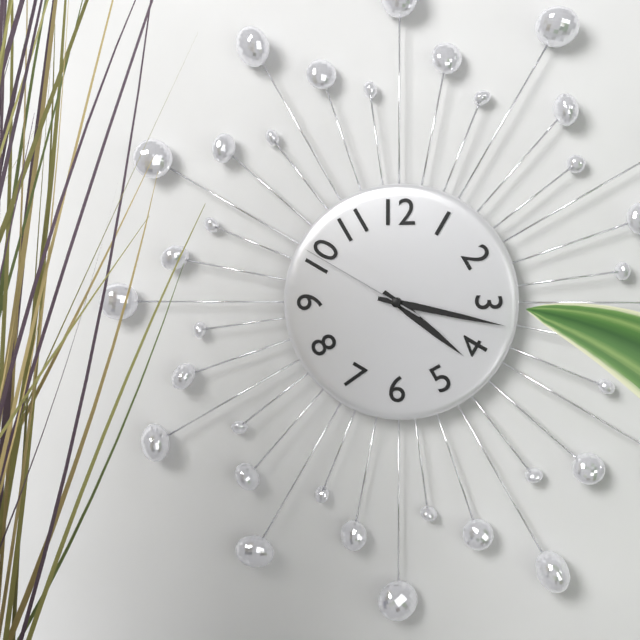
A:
4,17,50
